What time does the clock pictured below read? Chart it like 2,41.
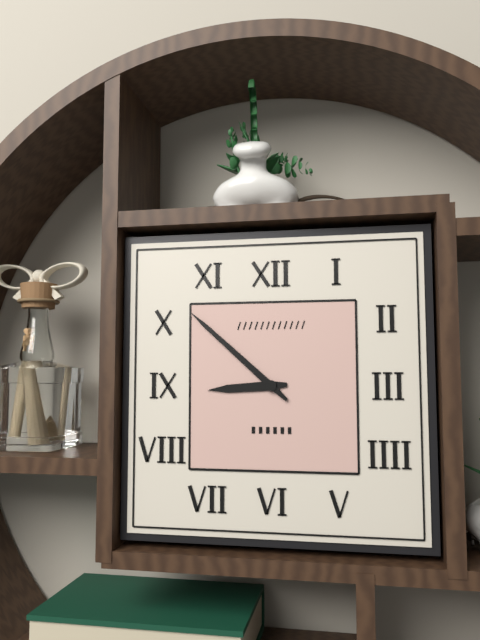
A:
8,52
